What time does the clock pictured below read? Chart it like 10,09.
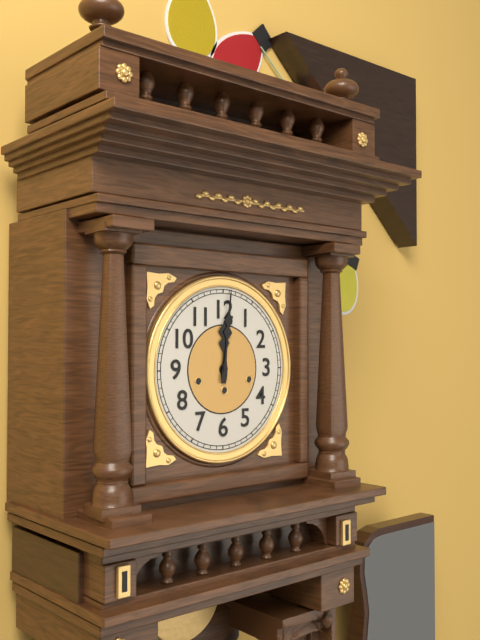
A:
12,01
